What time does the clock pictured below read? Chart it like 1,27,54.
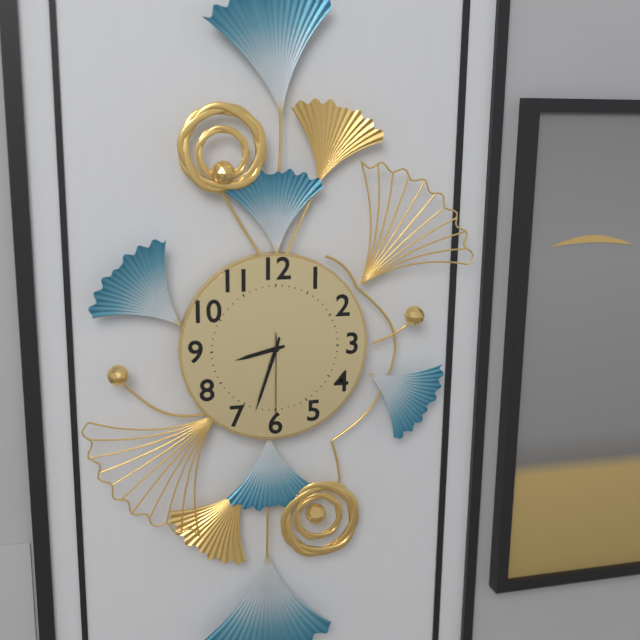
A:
8,33,30
